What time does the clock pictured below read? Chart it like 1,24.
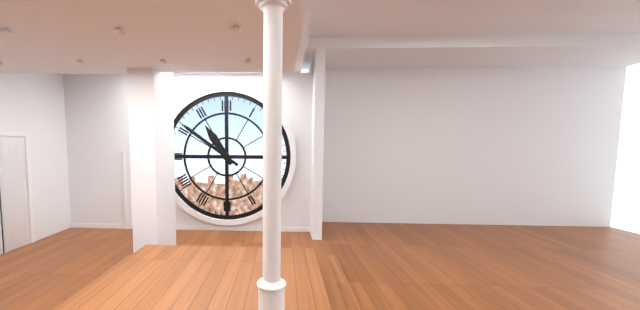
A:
10,51
